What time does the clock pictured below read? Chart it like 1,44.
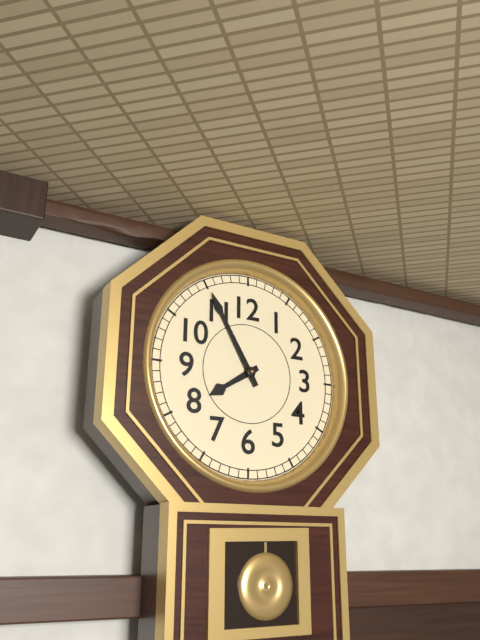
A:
7,55
